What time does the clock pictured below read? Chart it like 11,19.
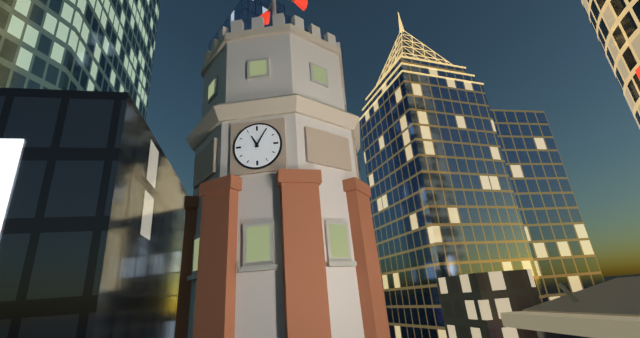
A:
11,05
